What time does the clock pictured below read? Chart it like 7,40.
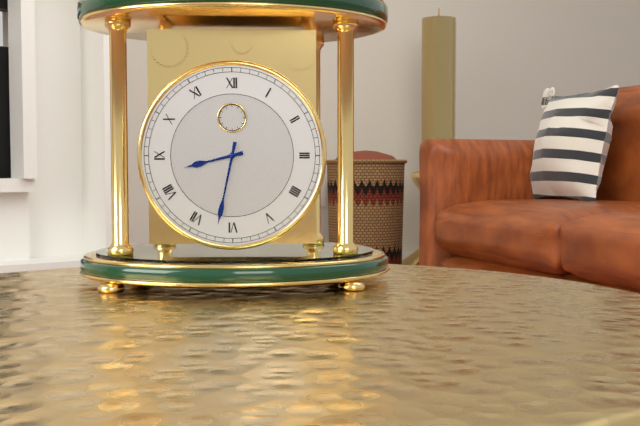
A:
8,32
